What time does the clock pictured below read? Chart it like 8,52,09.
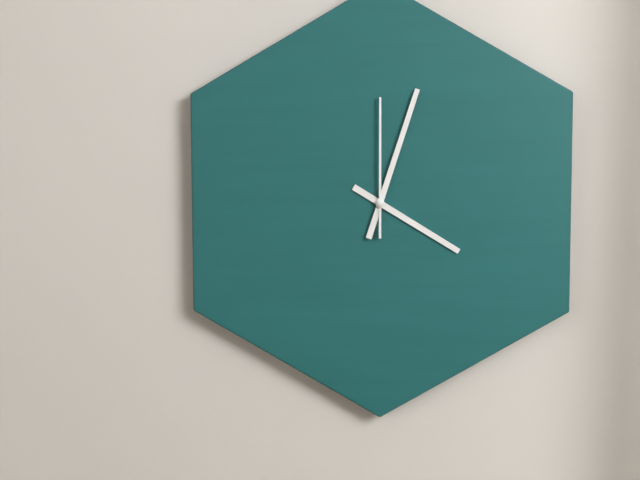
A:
4,03,00
